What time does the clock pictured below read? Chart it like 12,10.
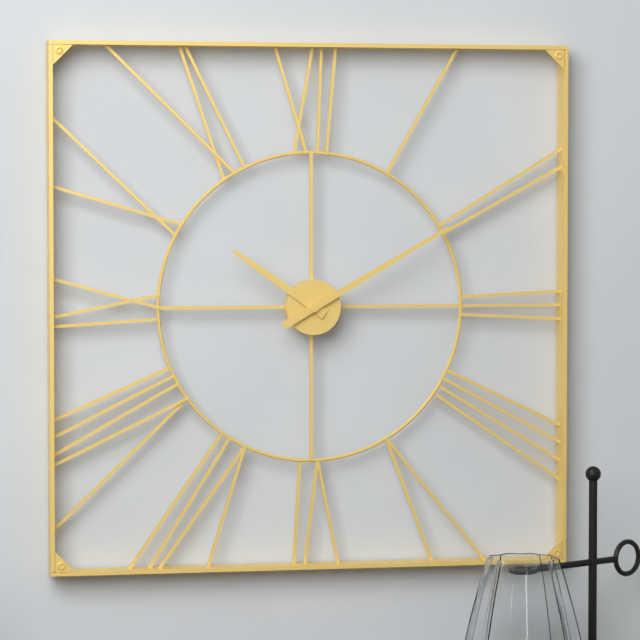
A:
10,10
